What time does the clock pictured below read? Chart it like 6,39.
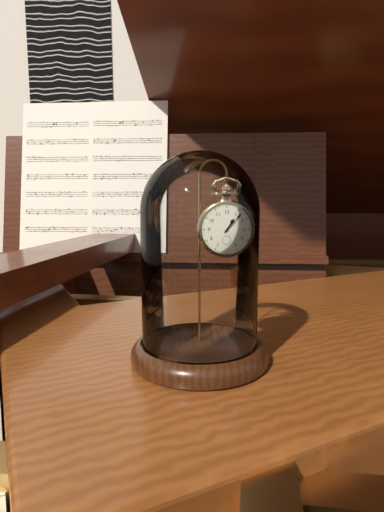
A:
1,07
